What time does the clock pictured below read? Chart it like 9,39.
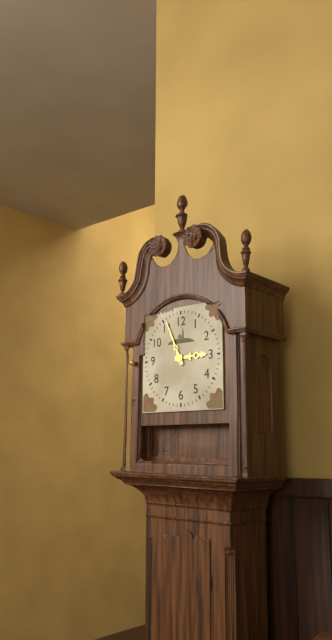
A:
2,56
